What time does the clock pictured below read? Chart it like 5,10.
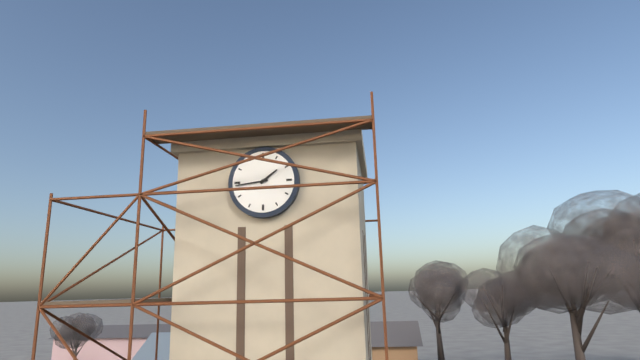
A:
1,44
